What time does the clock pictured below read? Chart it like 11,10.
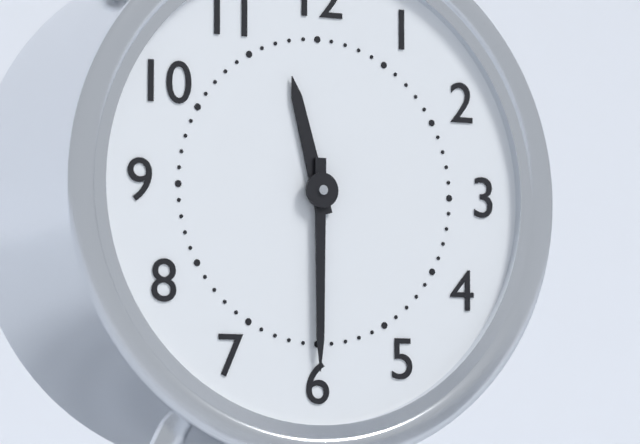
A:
11,30
